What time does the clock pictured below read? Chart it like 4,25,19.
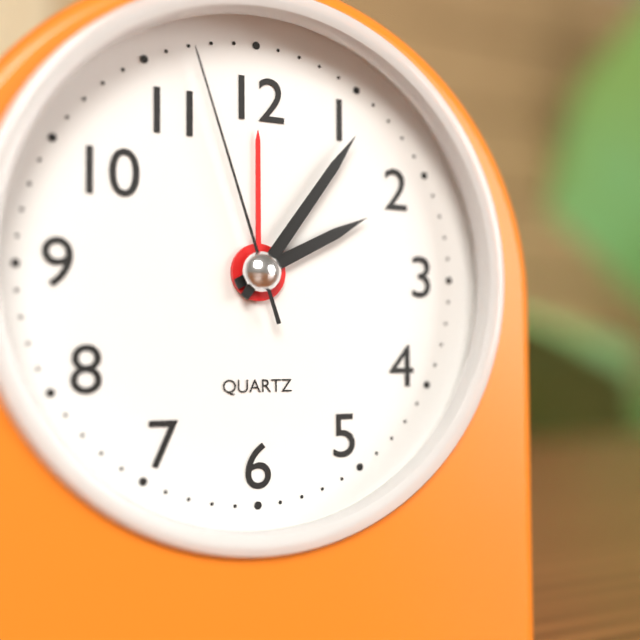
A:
2,06,57
